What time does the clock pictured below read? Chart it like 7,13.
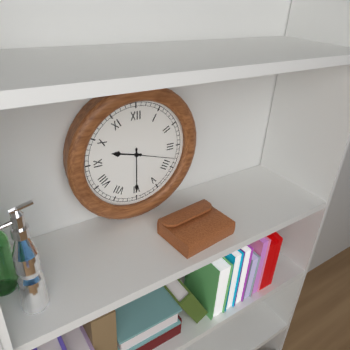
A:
9,30
